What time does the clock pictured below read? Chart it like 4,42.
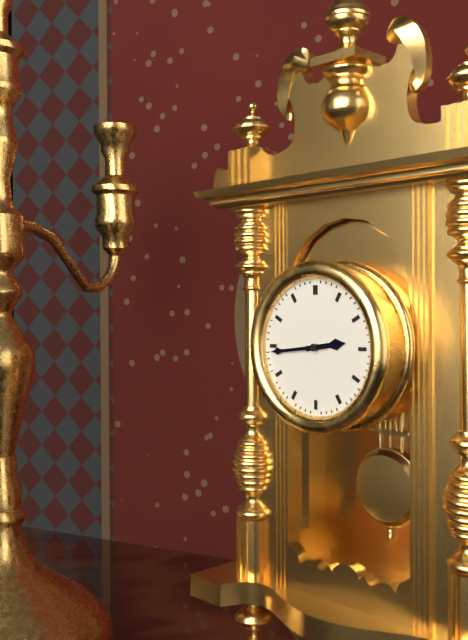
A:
2,44
